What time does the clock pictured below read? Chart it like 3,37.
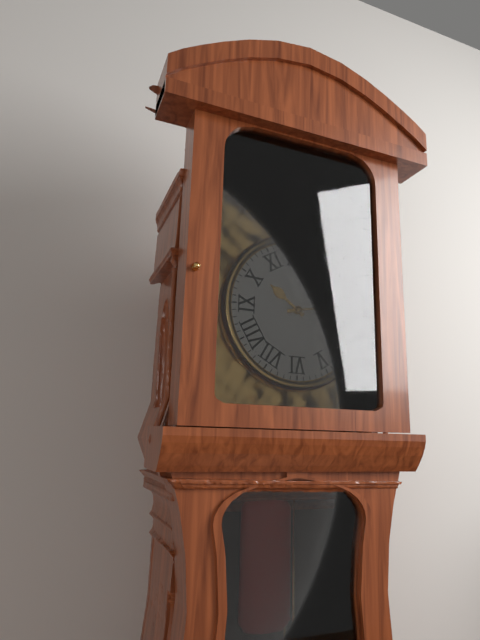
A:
10,13
